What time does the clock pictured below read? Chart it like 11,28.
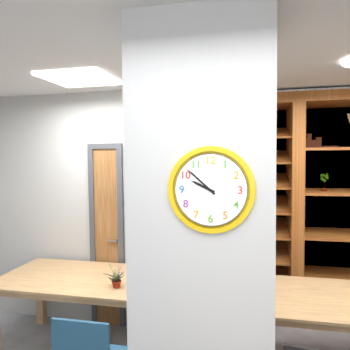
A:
9,52
